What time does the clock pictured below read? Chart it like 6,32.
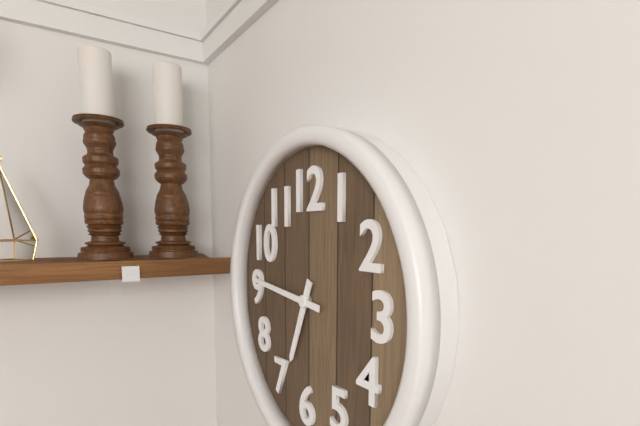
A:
6,46
